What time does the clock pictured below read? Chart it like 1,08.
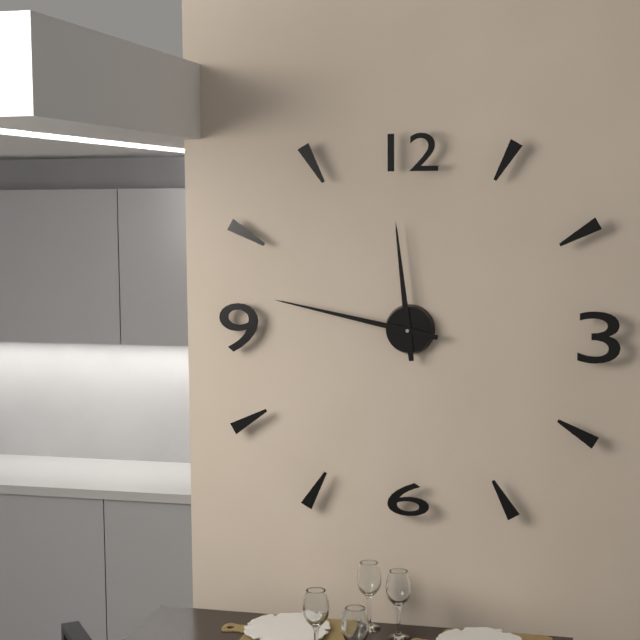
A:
11,47
